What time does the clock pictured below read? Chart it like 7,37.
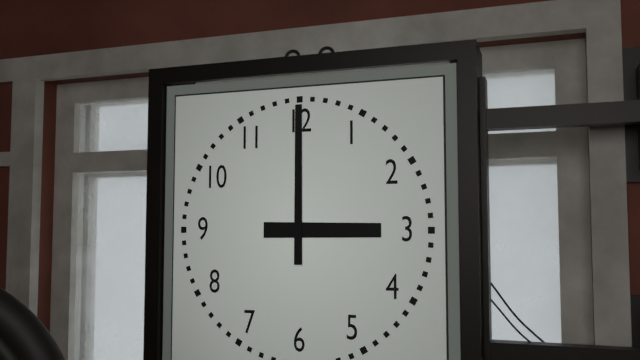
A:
3,00
